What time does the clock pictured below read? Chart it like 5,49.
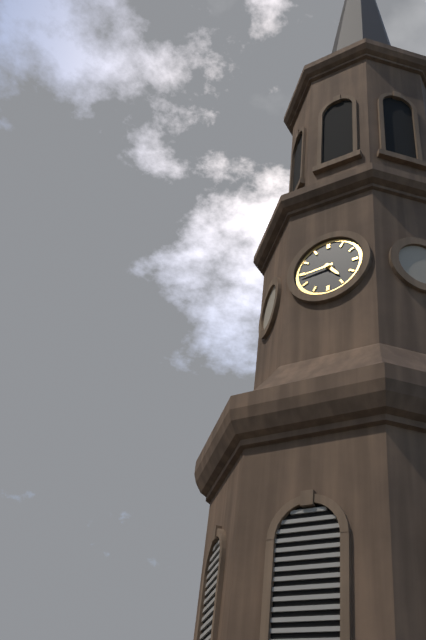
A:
4,44
